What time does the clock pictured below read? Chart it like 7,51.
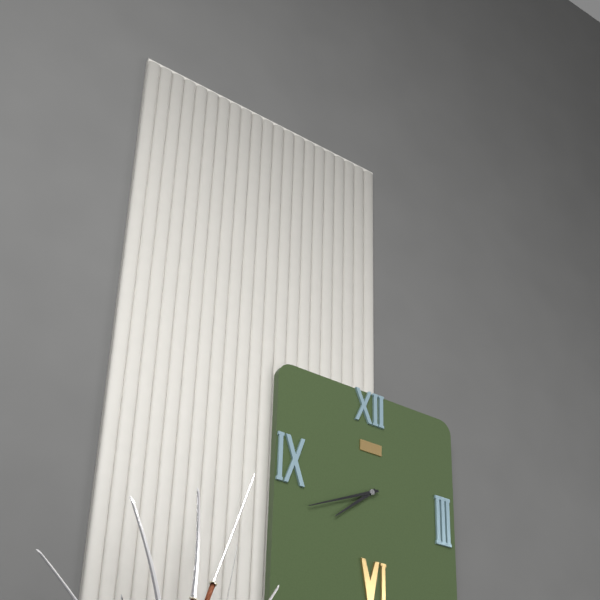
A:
7,41
